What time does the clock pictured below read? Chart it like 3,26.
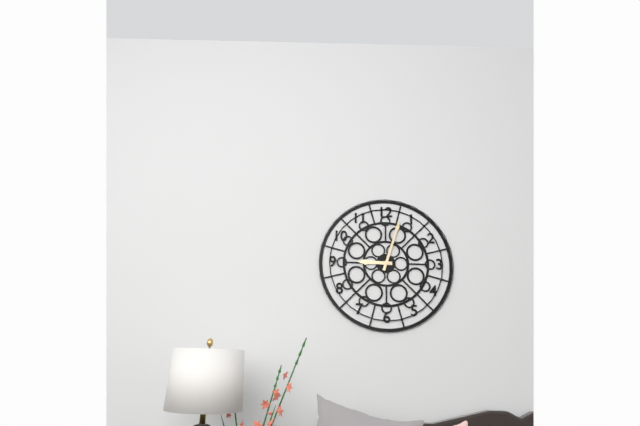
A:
9,03
